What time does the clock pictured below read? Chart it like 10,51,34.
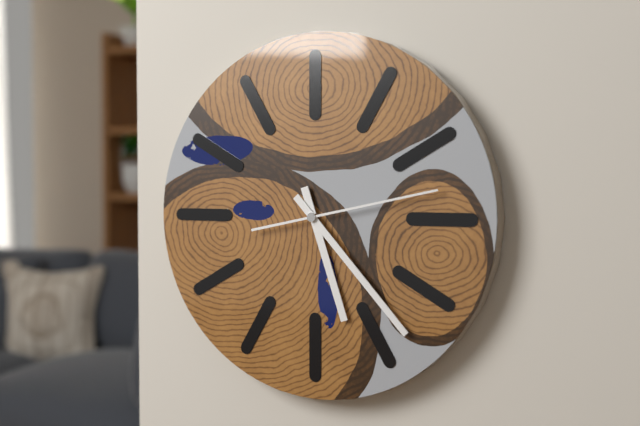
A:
5,23,13
